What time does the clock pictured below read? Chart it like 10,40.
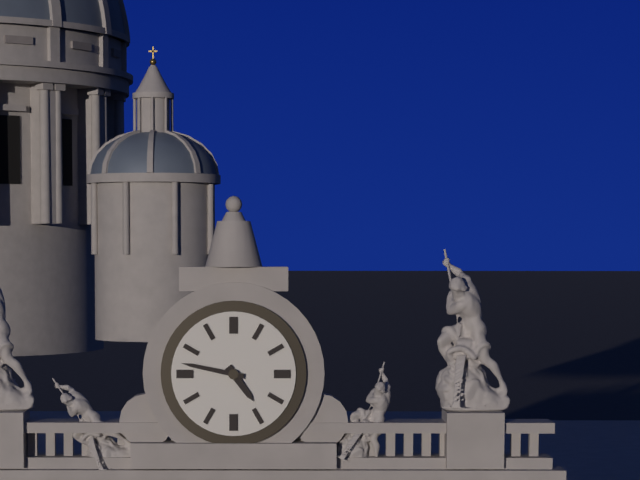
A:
4,47
